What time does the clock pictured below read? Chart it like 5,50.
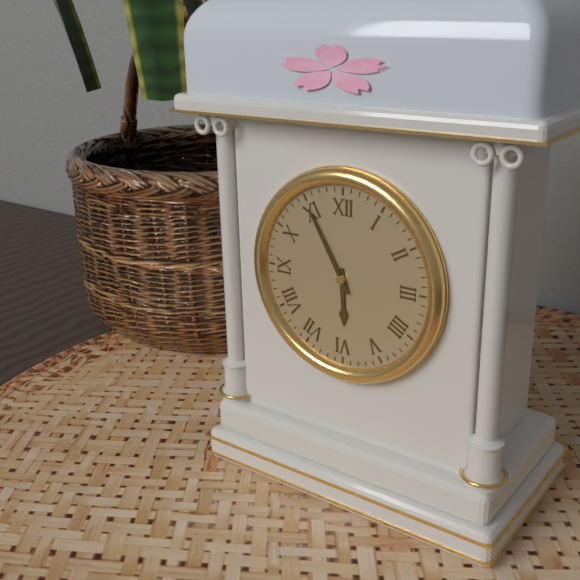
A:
5,55
